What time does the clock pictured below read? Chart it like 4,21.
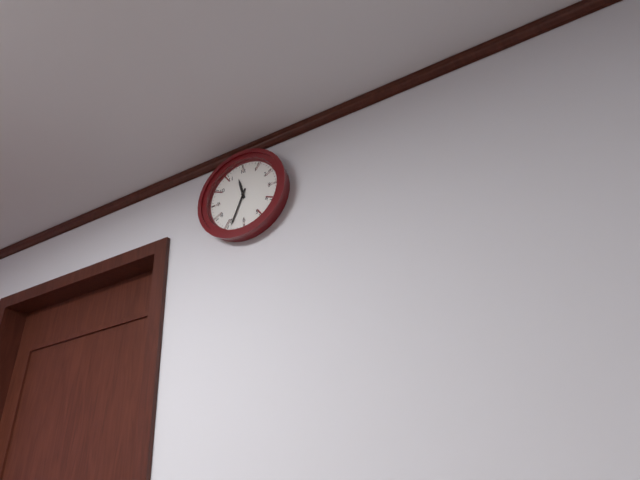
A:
11,34
